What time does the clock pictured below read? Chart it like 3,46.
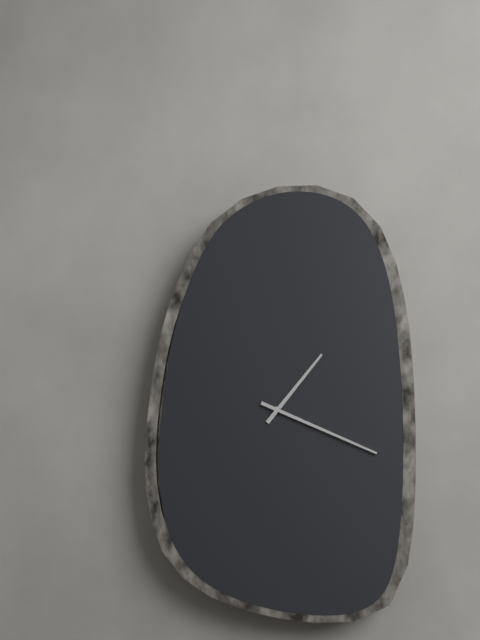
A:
1,19
